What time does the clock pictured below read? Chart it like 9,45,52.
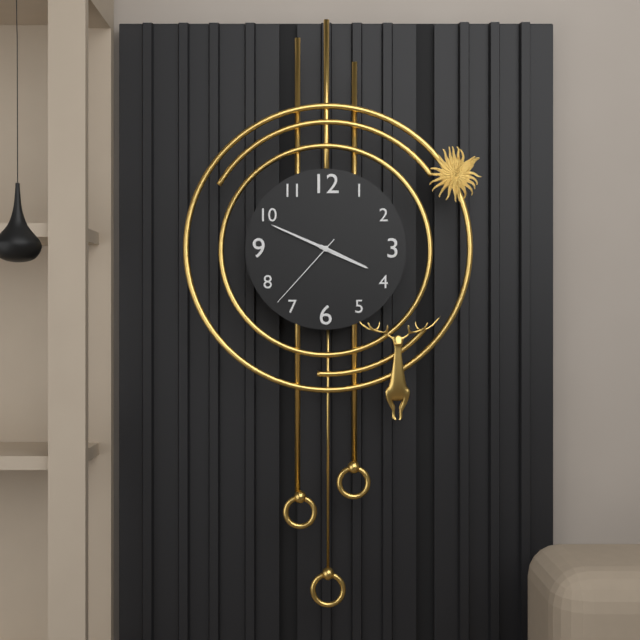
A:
3,49,37
